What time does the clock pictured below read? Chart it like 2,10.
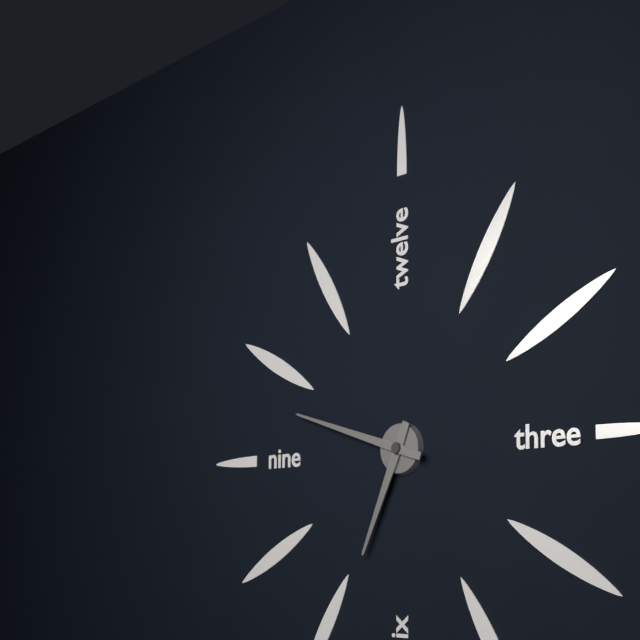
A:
6,48
